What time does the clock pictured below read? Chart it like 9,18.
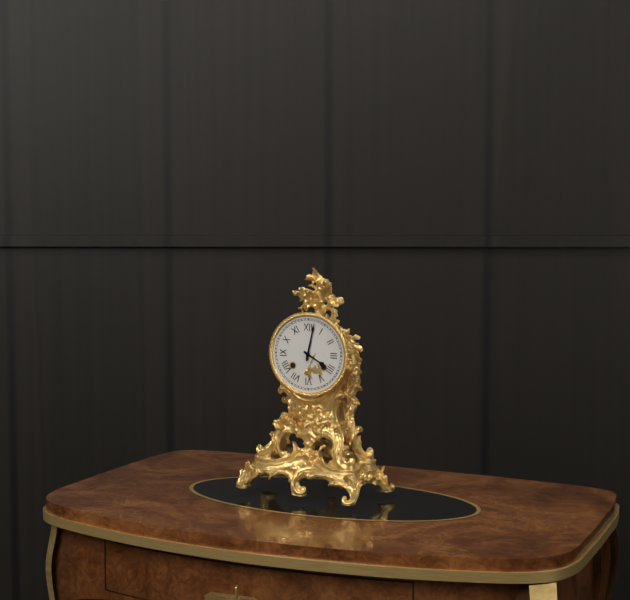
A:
4,02
